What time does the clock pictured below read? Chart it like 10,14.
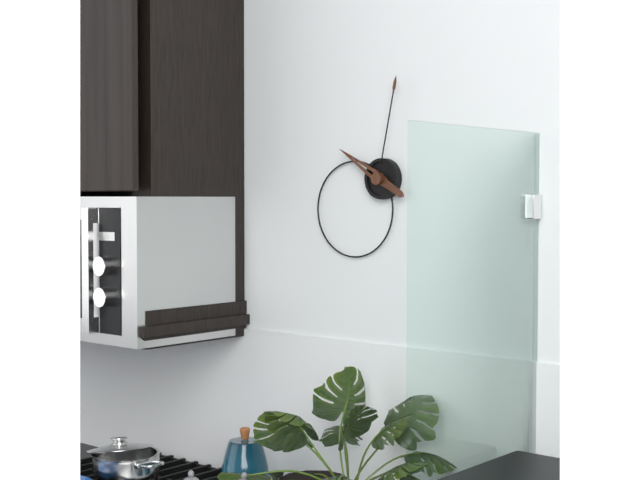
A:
10,02
